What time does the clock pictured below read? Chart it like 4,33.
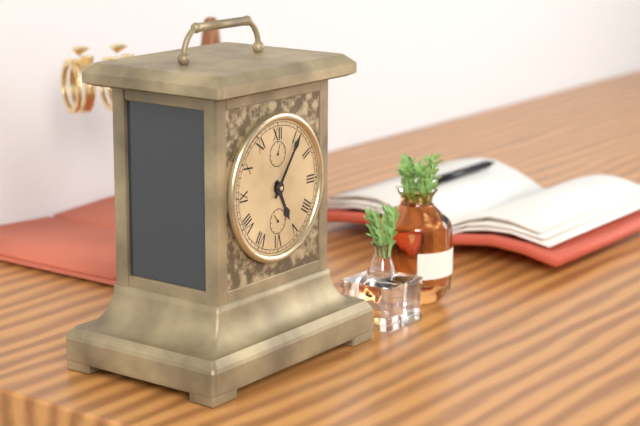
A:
5,06
